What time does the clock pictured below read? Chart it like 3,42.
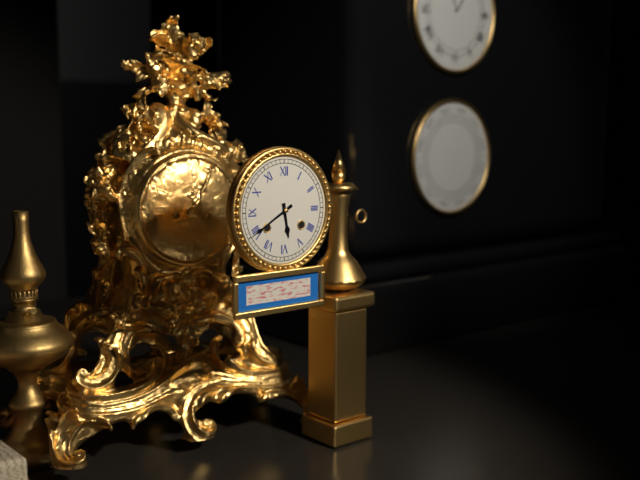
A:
5,40
